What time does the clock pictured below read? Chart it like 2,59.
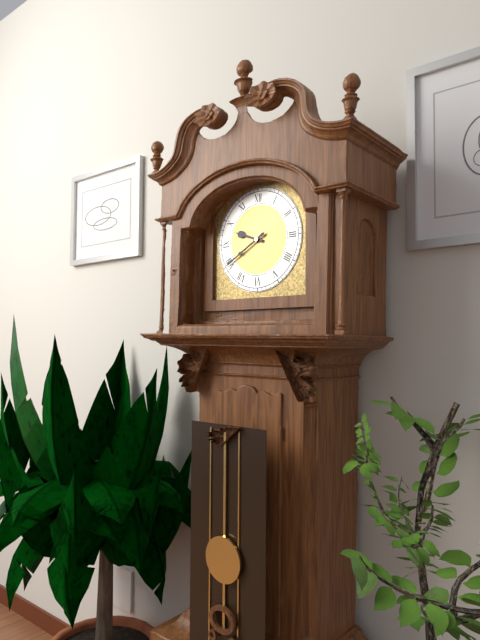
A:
9,40
